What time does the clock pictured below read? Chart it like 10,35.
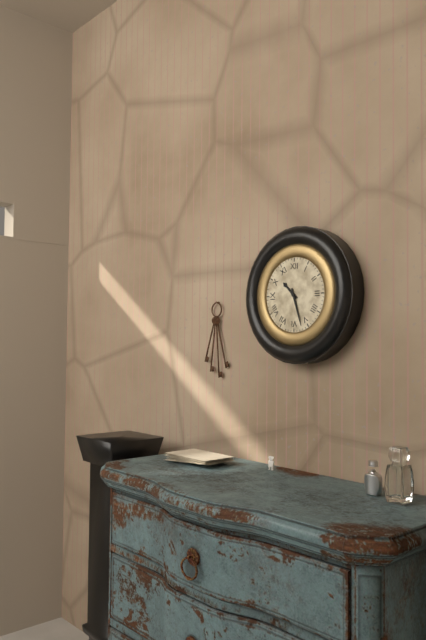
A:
10,27
